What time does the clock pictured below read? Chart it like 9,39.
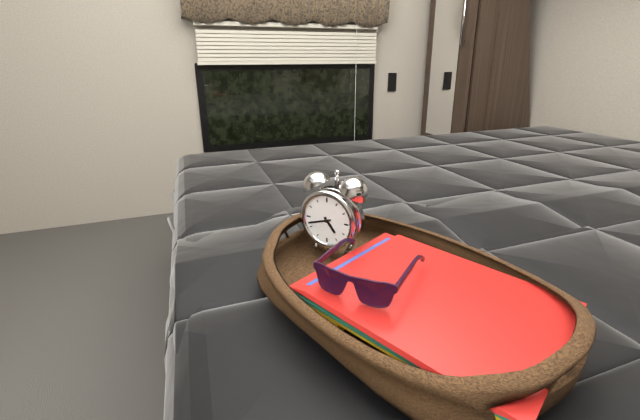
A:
4,42
